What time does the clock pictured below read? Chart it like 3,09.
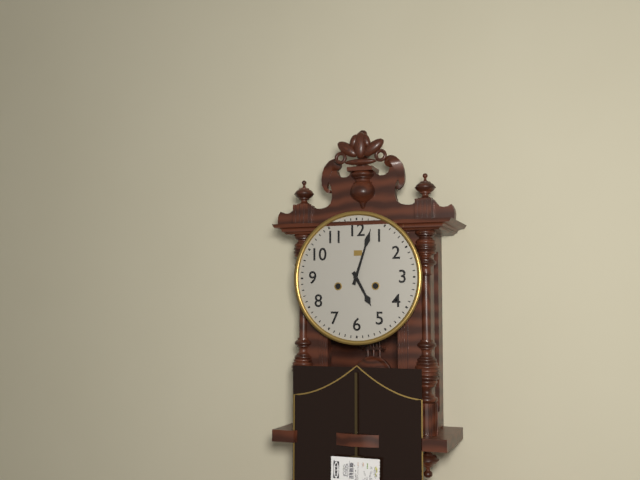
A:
5,03
